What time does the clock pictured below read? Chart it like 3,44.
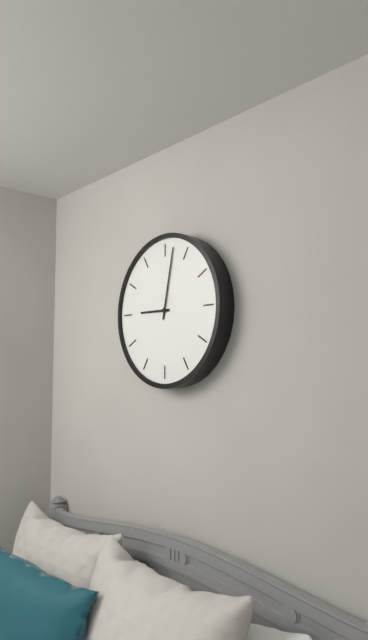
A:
9,02
